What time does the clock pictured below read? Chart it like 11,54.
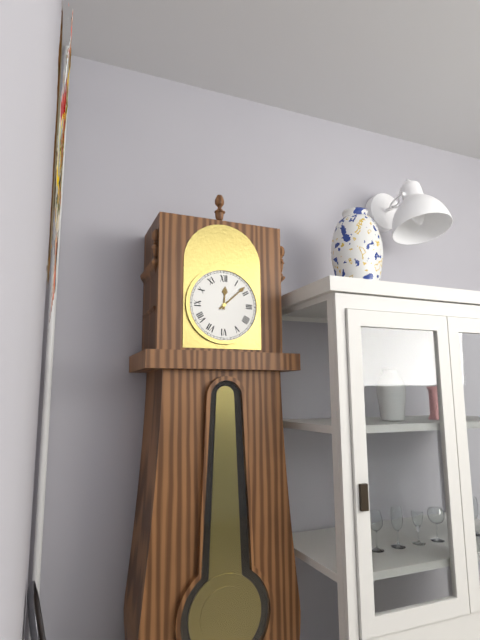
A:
12,08
